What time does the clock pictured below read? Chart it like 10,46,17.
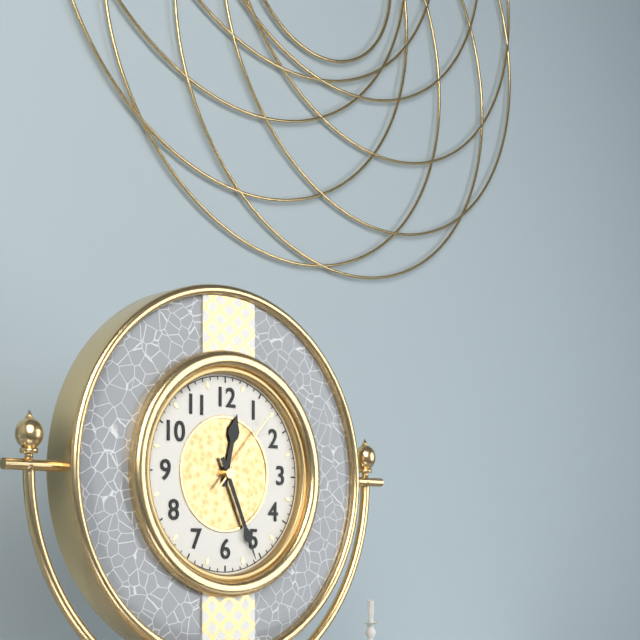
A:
12,26,07
